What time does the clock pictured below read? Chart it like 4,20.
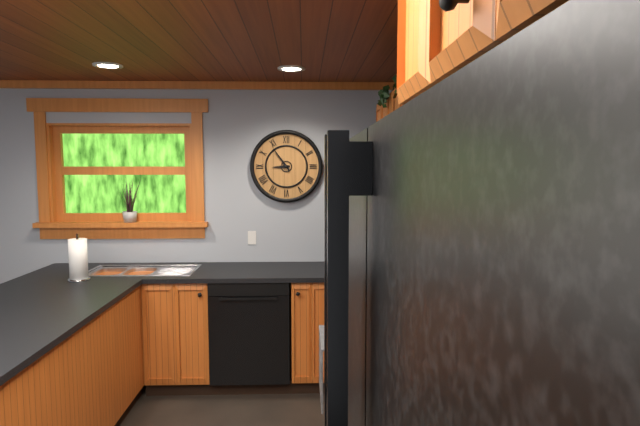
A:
8,54
